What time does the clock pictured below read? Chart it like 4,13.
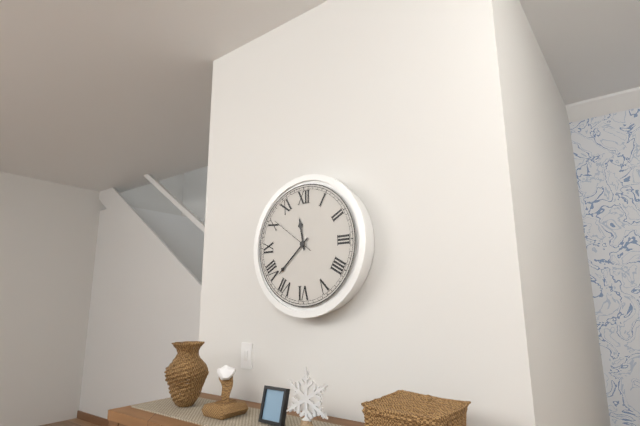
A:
11,38
